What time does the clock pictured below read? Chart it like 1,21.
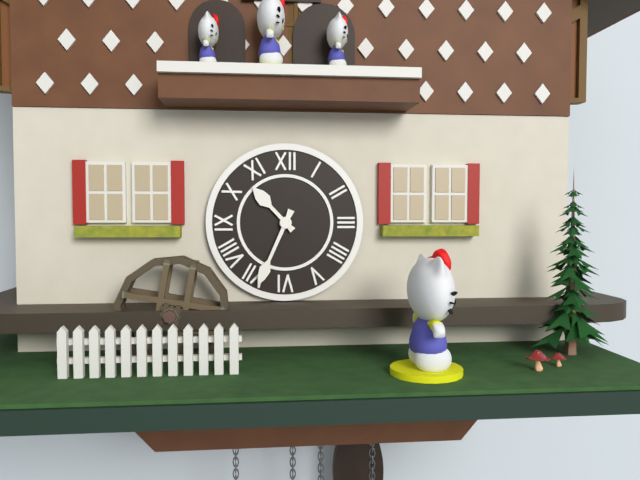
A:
10,34
